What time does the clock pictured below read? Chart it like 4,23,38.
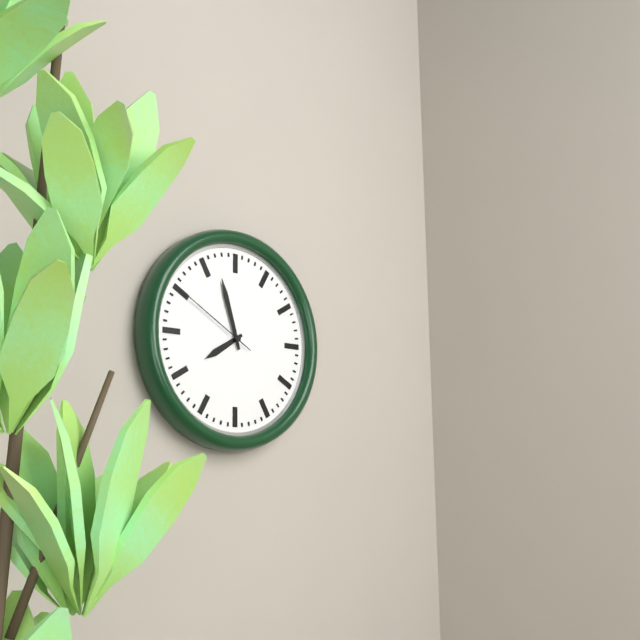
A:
7,57,50
